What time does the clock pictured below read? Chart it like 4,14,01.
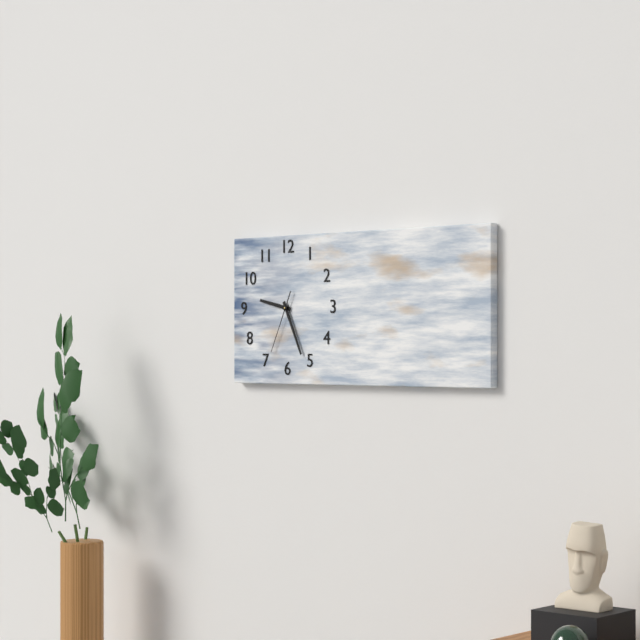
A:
9,26,34
